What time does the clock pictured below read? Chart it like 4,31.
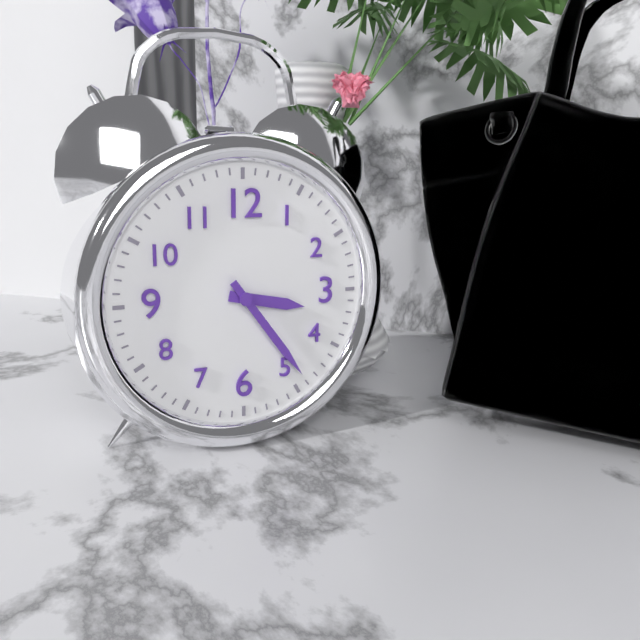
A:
3,24
